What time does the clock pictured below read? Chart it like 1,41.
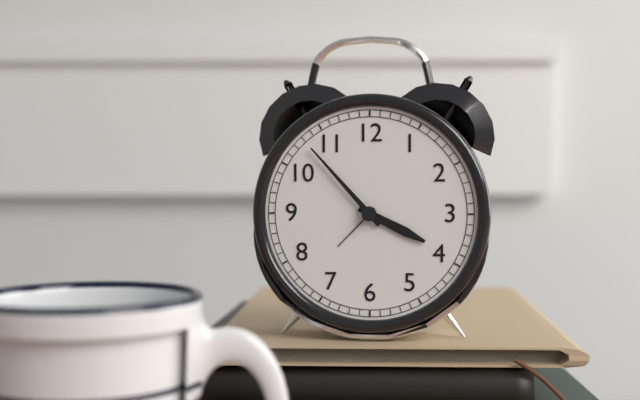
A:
3,53
